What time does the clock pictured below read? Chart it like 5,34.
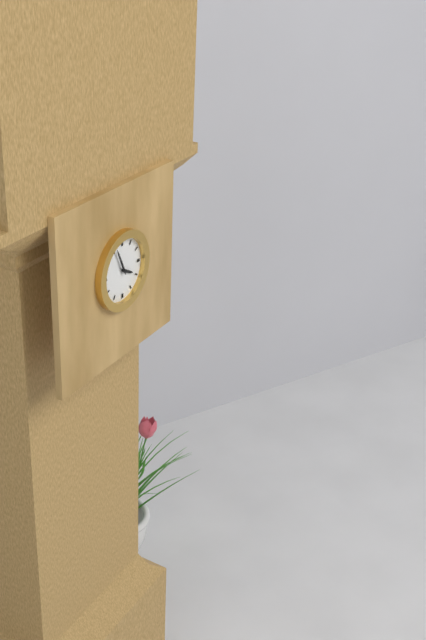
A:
3,56
